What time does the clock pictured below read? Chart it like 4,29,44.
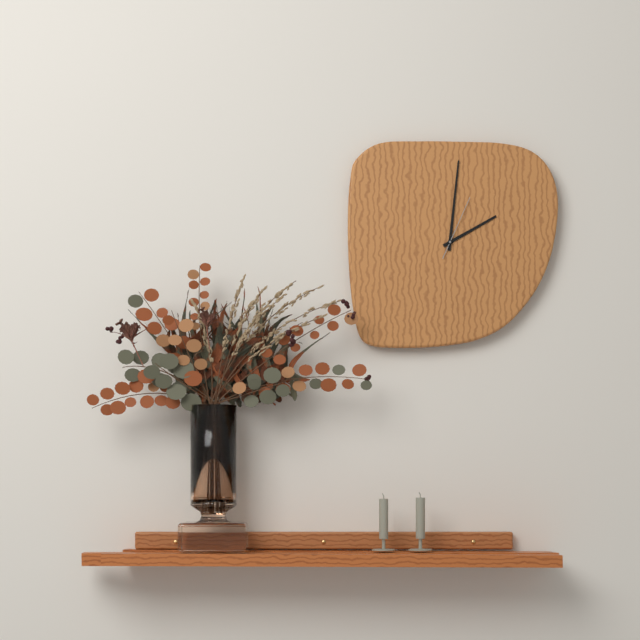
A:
2,01,04
